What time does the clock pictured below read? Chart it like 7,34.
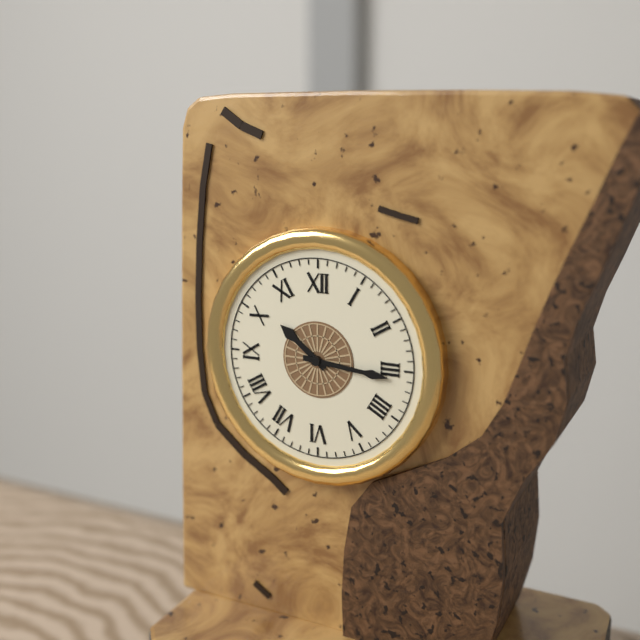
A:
10,16
